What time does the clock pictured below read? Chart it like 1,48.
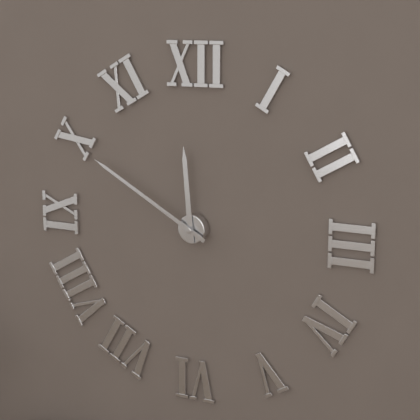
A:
11,50
